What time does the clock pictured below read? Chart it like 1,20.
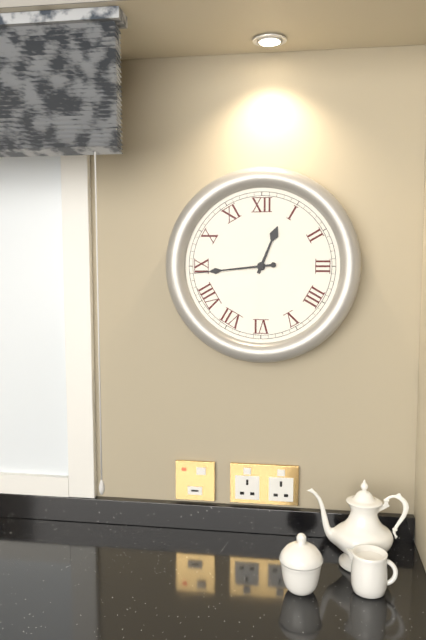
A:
12,44
